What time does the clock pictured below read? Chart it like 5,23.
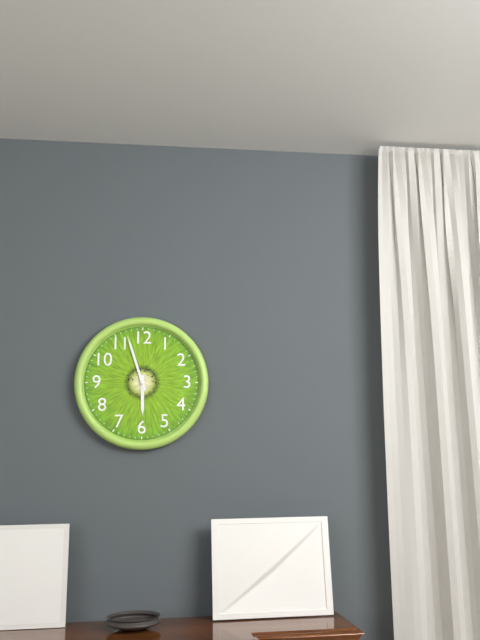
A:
5,57
